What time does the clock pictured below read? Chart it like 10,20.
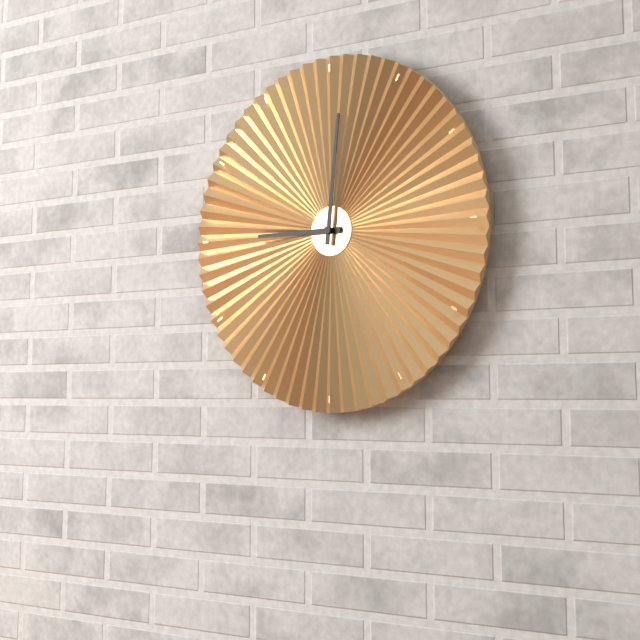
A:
9,01
